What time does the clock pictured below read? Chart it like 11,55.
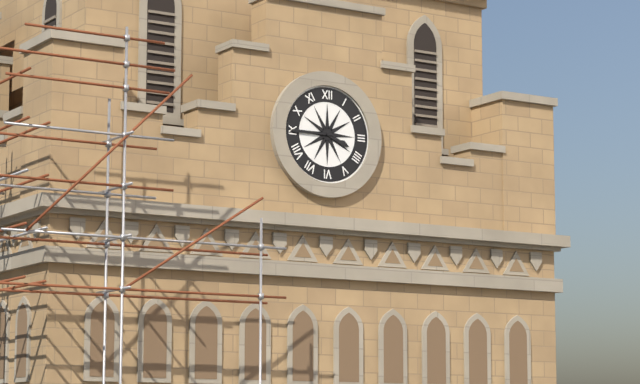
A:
3,45
